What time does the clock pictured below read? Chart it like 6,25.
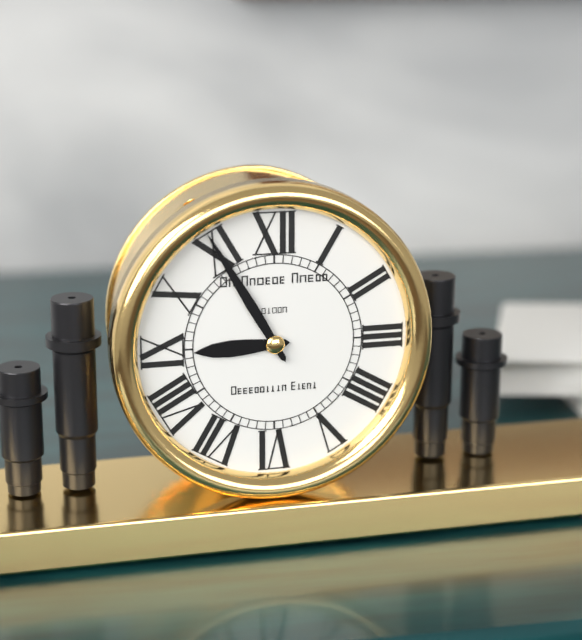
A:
8,55
